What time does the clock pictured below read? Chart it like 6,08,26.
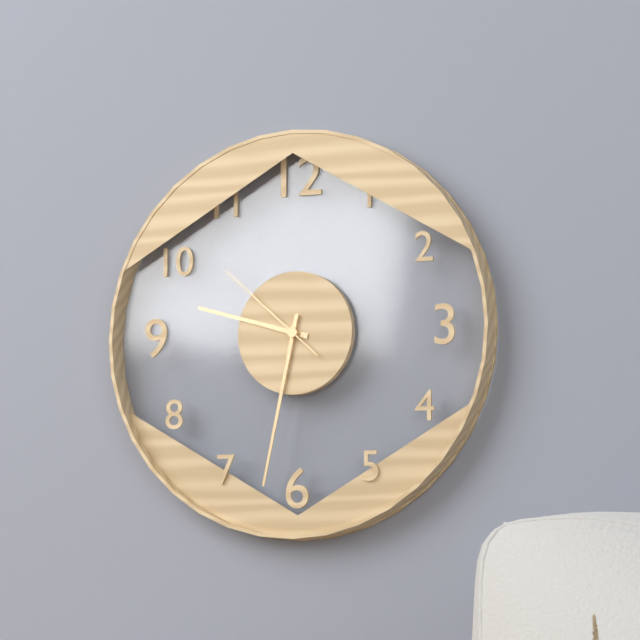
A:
9,32,52
